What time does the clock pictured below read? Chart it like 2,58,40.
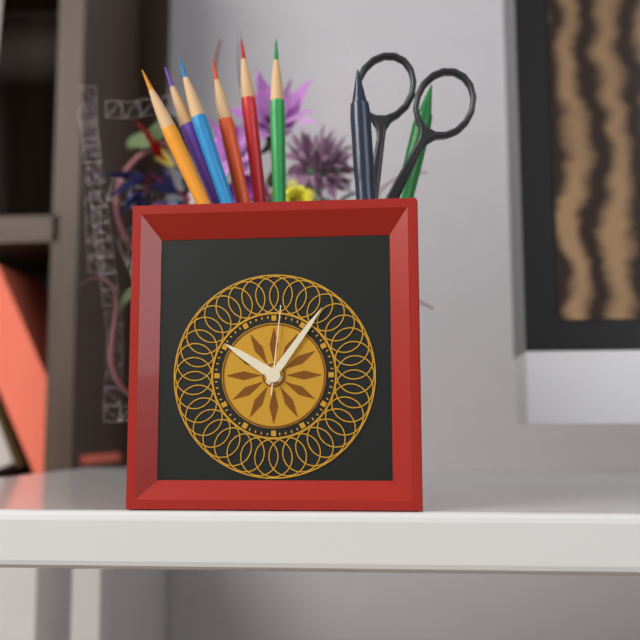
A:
10,06,01
